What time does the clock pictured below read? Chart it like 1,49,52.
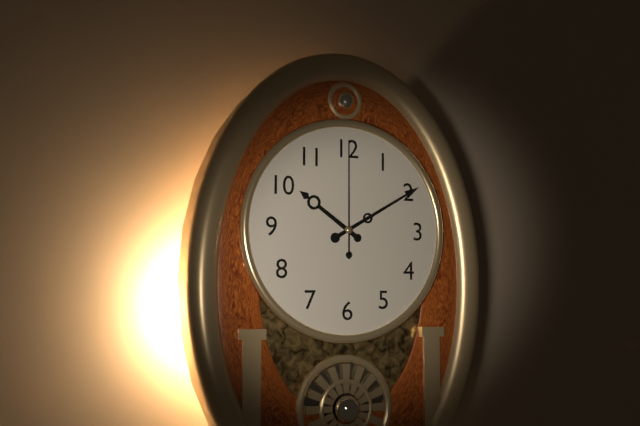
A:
10,10,00
